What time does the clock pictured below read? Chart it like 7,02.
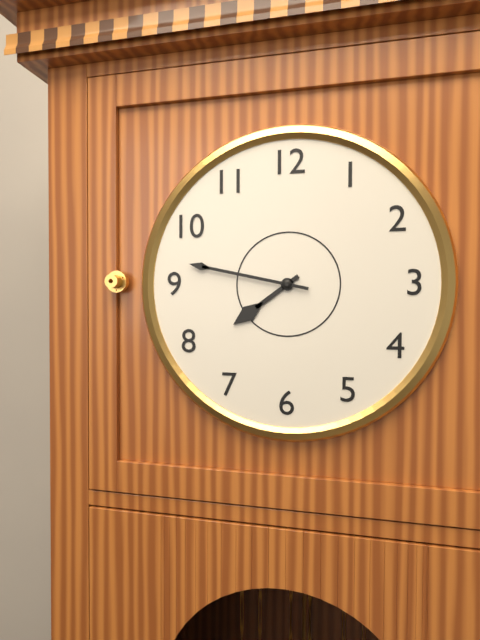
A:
7,47
